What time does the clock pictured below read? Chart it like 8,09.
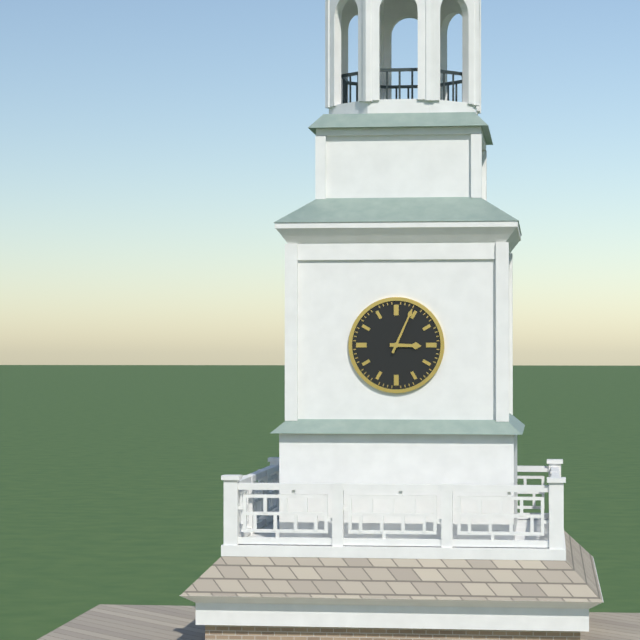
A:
3,04
